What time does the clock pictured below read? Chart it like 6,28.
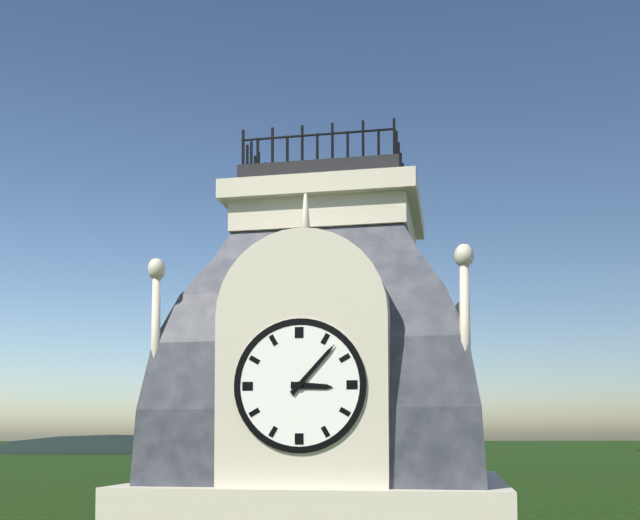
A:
3,07
